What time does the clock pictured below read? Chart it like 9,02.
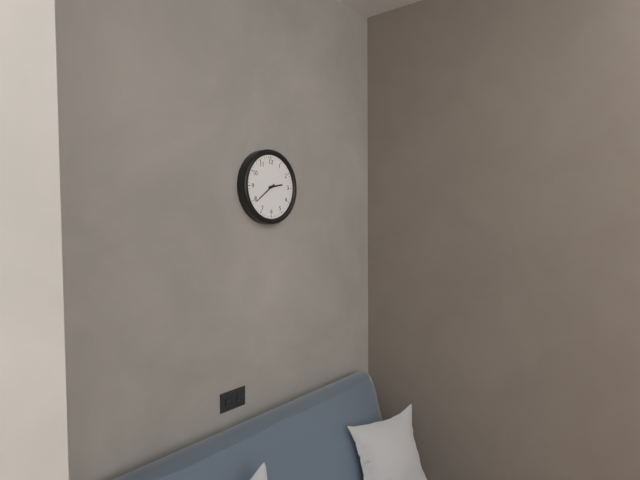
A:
2,39
